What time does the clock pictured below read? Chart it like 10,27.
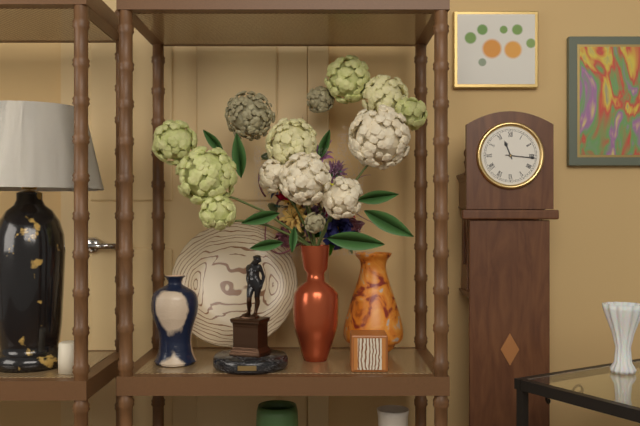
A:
11,16
